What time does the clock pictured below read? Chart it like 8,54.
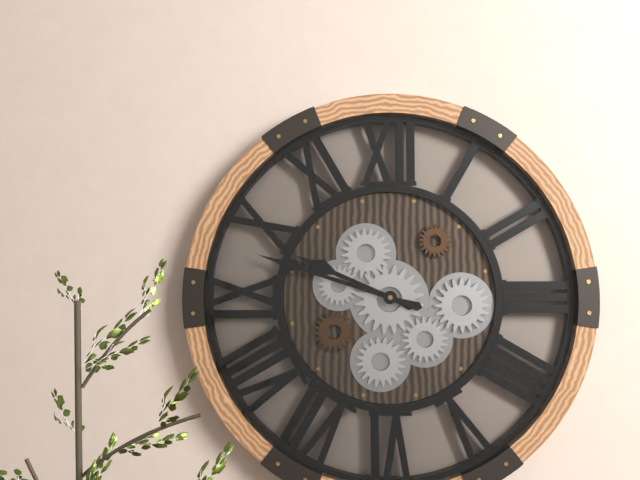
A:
9,48
